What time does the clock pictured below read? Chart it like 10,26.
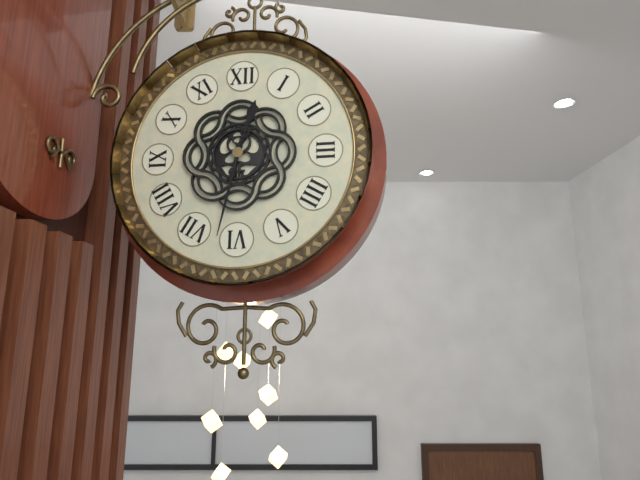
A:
12,32
